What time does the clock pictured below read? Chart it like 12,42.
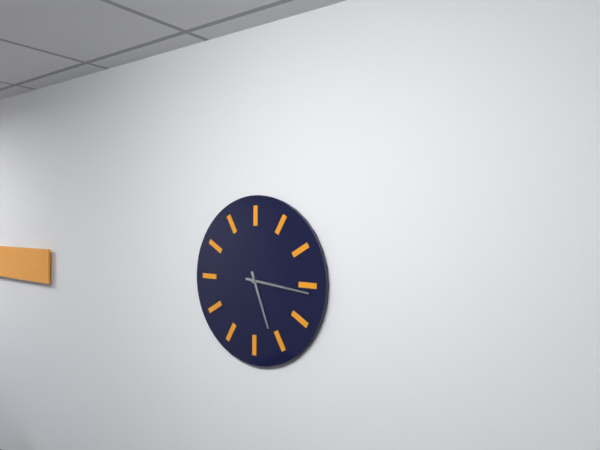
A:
5,16
